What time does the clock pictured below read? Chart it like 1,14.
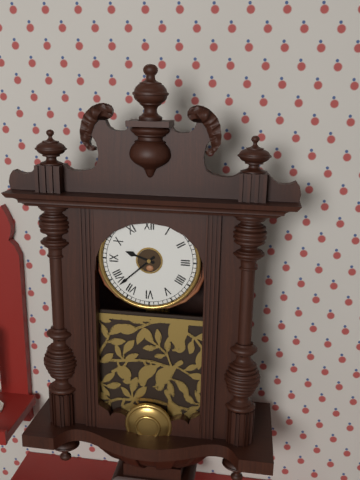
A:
9,38
